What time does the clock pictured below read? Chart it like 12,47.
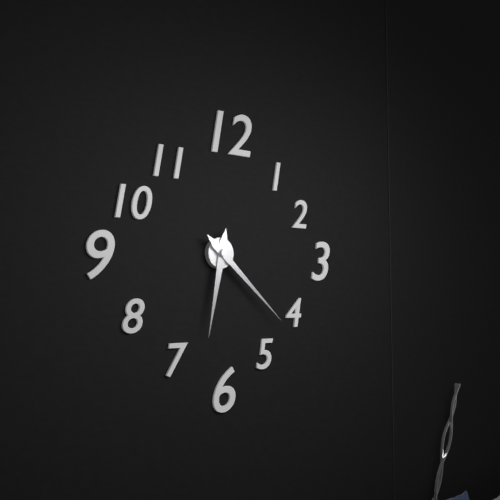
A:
6,22
